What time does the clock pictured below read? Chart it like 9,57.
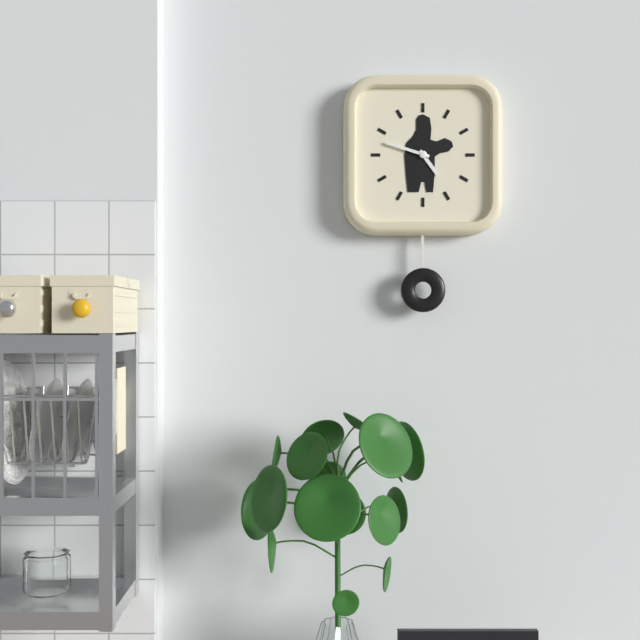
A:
4,48
